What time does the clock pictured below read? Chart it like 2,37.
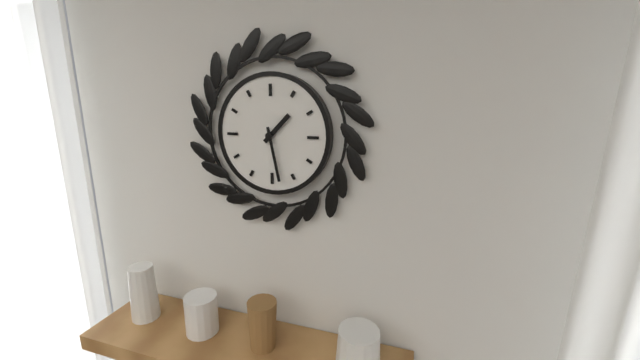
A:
1,28
